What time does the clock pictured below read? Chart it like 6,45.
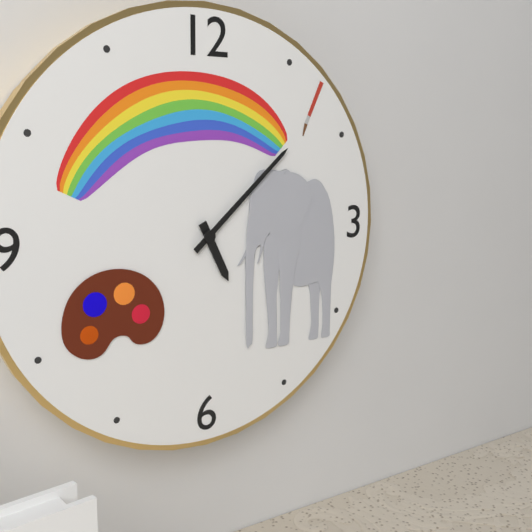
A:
5,08
